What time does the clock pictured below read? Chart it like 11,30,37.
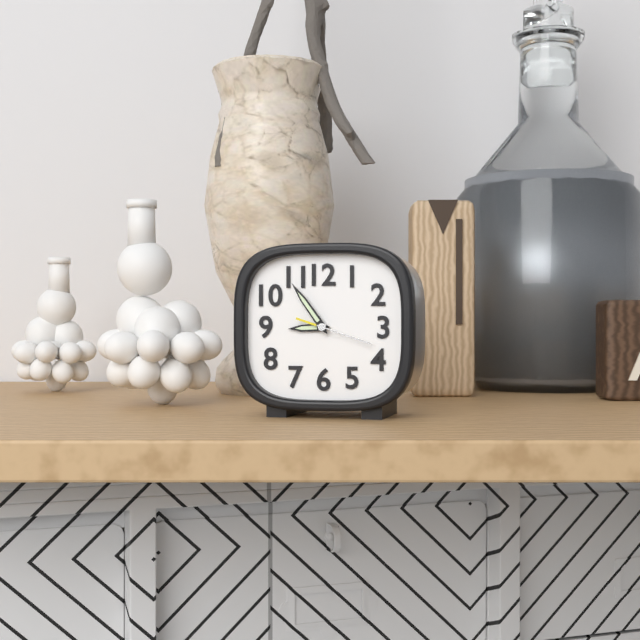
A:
8,54,18
